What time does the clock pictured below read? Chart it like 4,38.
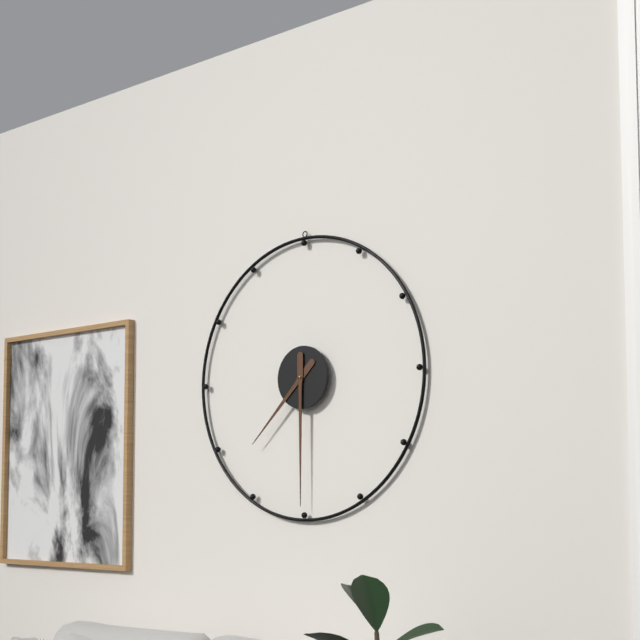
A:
7,30
